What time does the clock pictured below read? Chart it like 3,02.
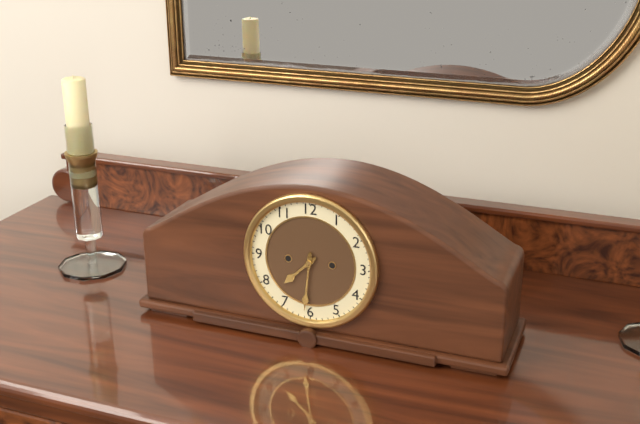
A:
7,31
